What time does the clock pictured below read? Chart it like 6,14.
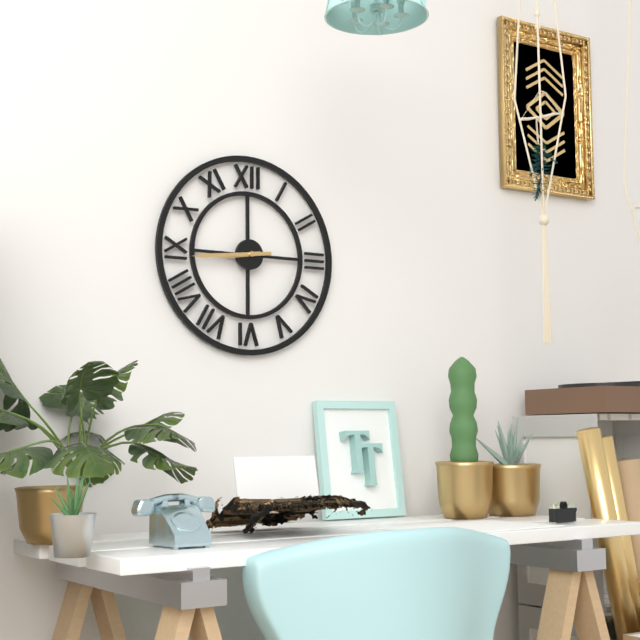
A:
8,44
